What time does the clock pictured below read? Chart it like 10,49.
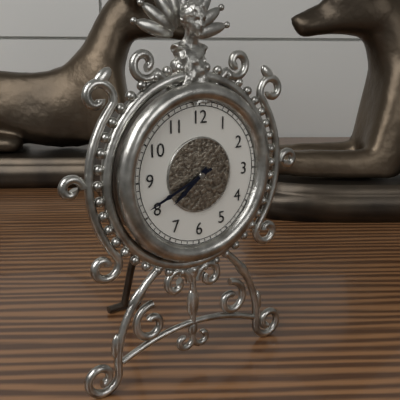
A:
7,41
